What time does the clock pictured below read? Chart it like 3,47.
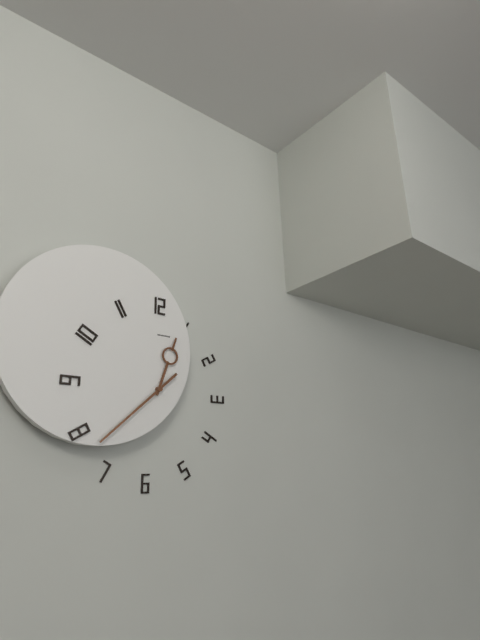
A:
12,38
